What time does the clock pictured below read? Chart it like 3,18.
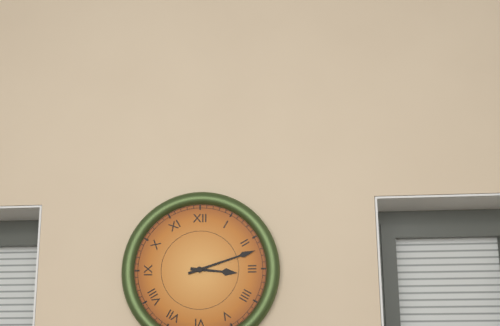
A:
3,12
